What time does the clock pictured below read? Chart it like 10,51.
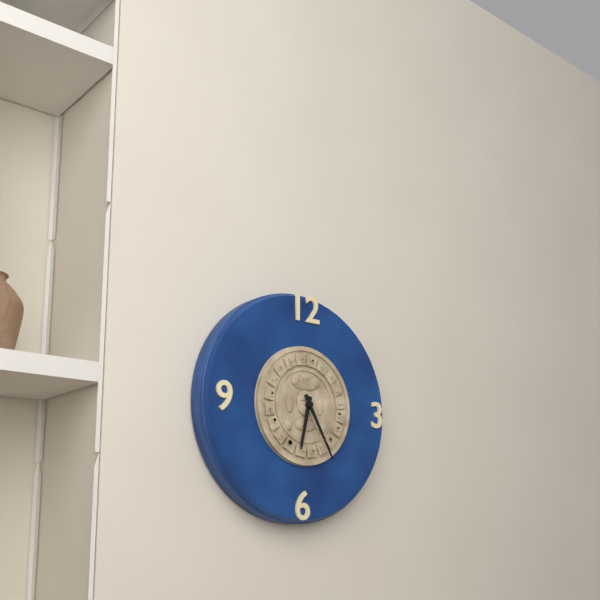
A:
6,25
